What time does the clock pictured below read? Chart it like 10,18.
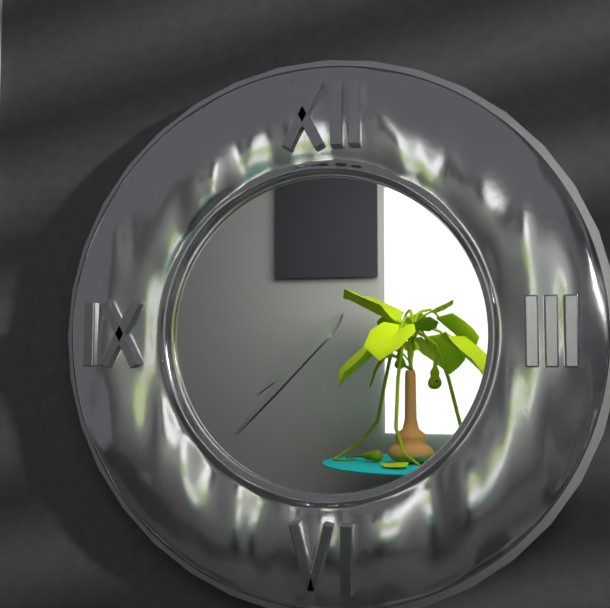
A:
7,37
